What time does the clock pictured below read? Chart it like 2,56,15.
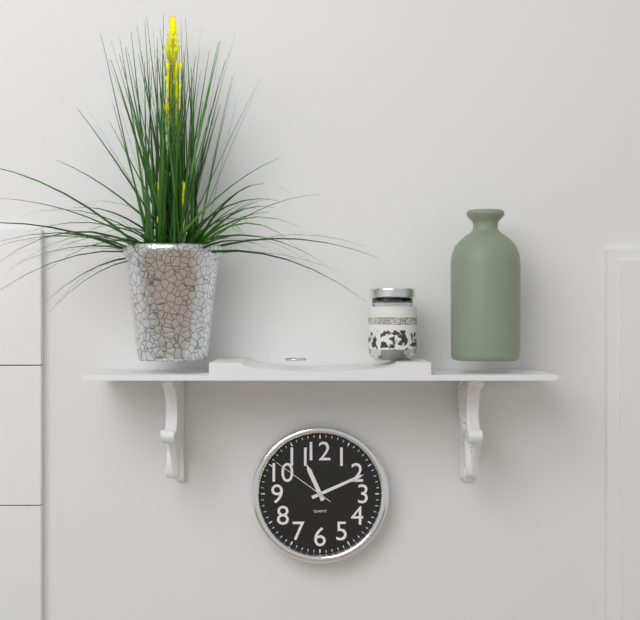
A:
11,11,51
